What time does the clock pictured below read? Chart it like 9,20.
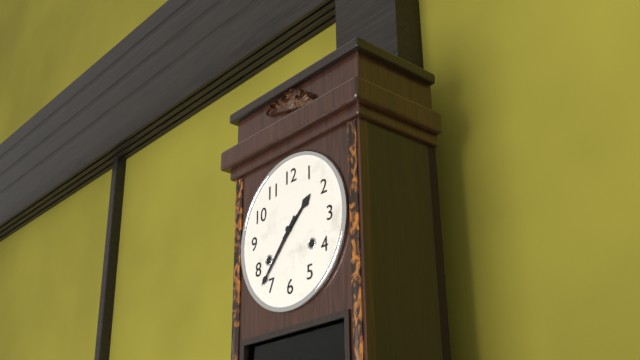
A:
1,37
